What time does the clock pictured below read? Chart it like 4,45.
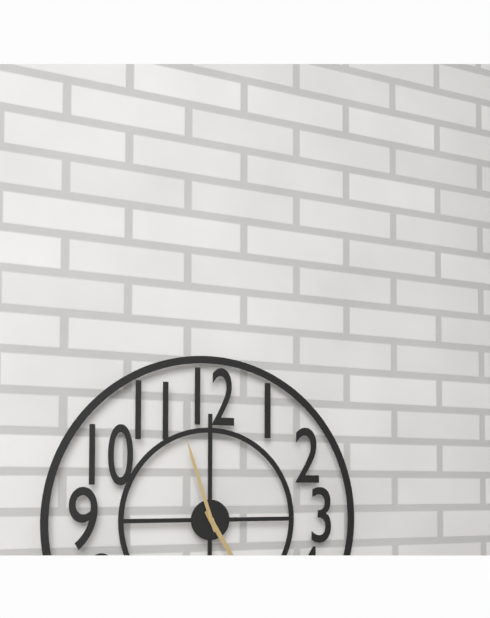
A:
4,57
